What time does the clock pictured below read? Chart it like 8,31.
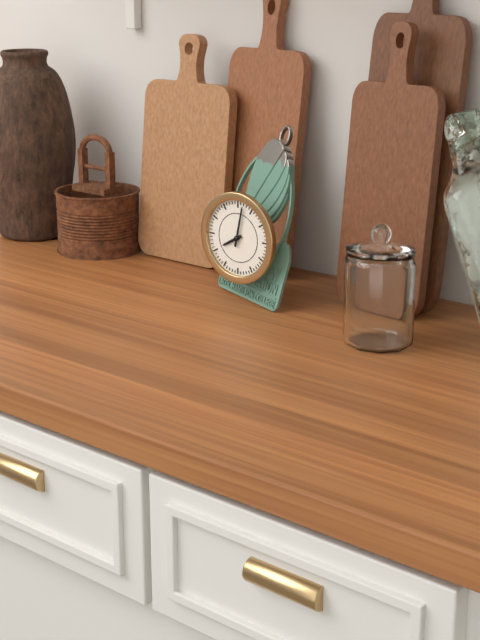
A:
8,02
